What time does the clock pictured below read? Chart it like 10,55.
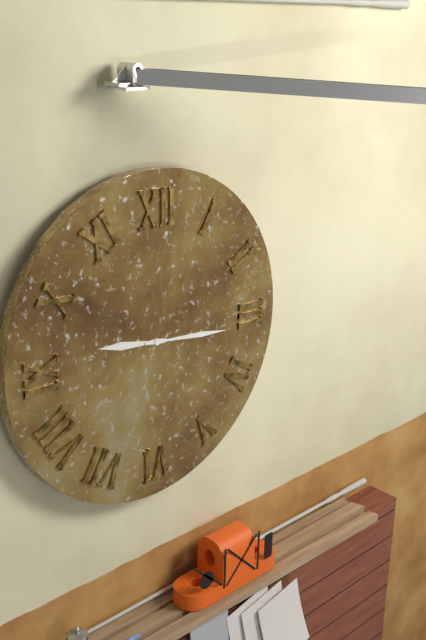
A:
9,16
